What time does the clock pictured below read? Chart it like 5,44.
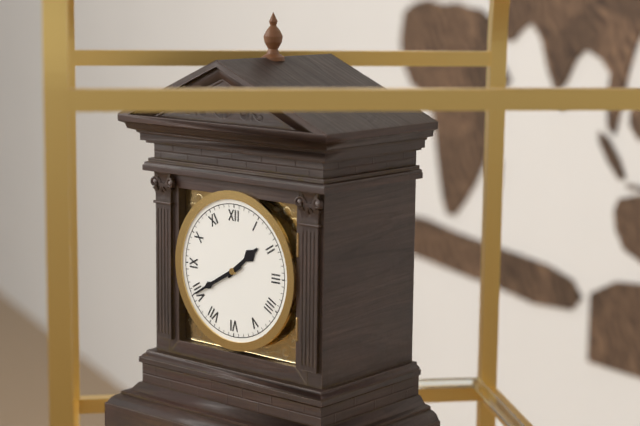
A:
1,40
